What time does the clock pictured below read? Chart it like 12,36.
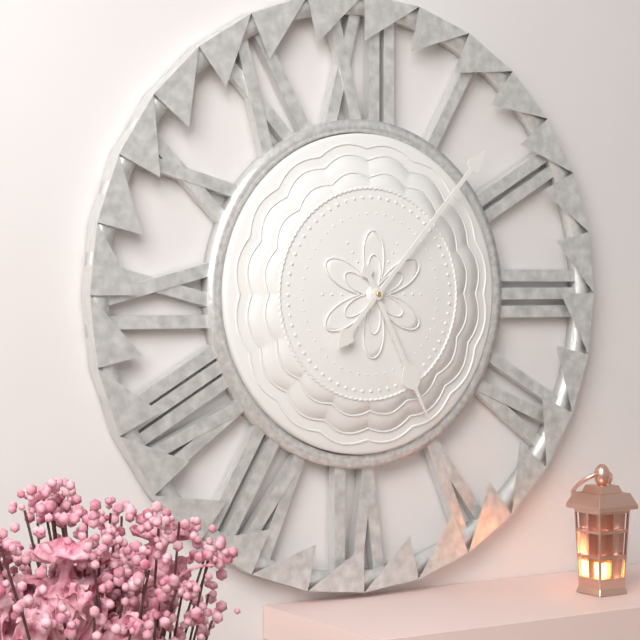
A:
5,07
